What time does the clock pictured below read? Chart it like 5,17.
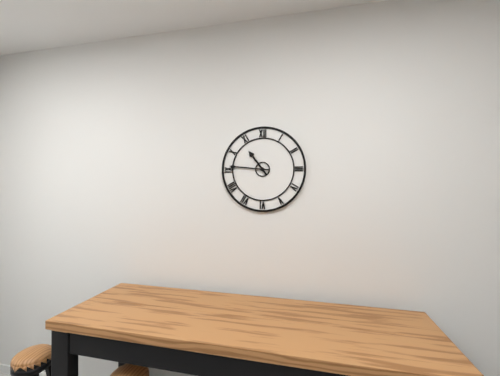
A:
10,46
